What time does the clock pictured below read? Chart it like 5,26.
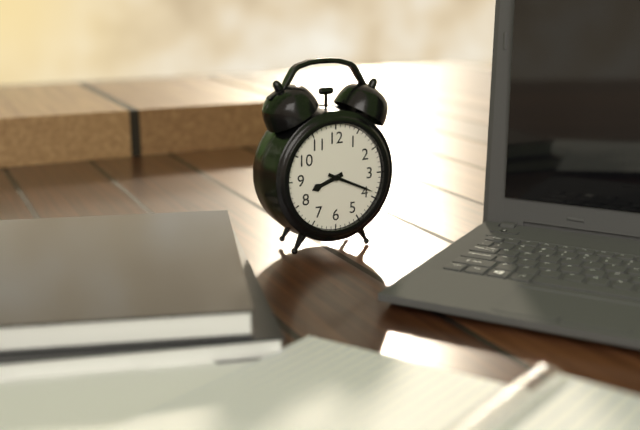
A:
8,19
